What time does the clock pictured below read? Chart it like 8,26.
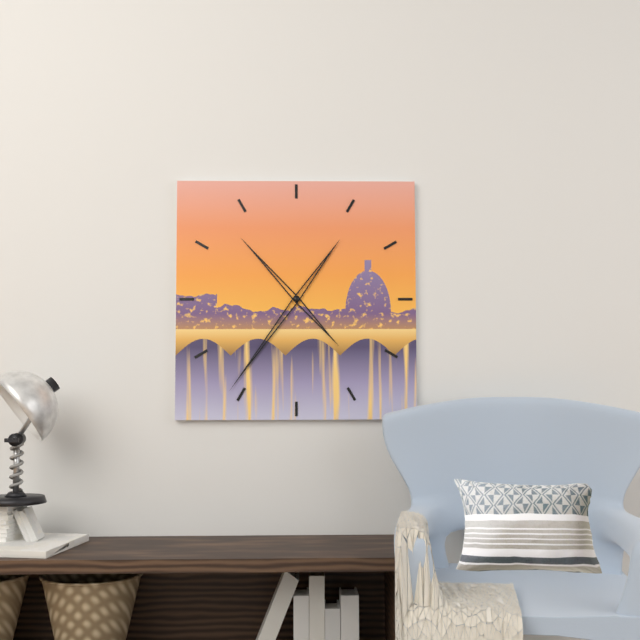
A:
10,36
